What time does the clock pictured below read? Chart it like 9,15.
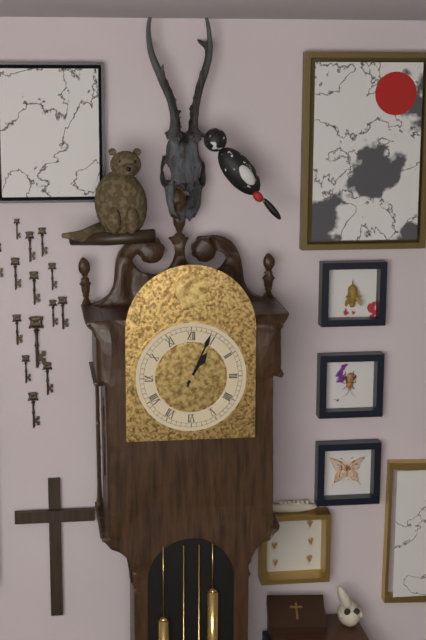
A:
1,04
